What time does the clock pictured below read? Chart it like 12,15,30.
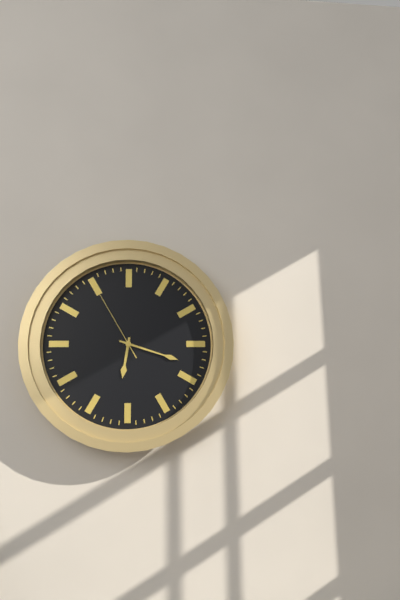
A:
6,18,55
